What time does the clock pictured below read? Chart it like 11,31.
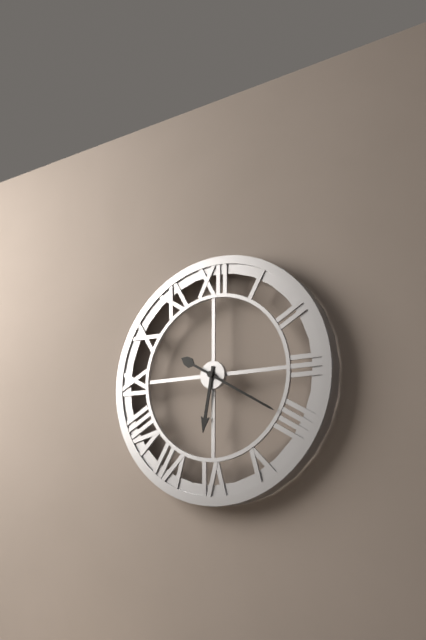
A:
6,20
